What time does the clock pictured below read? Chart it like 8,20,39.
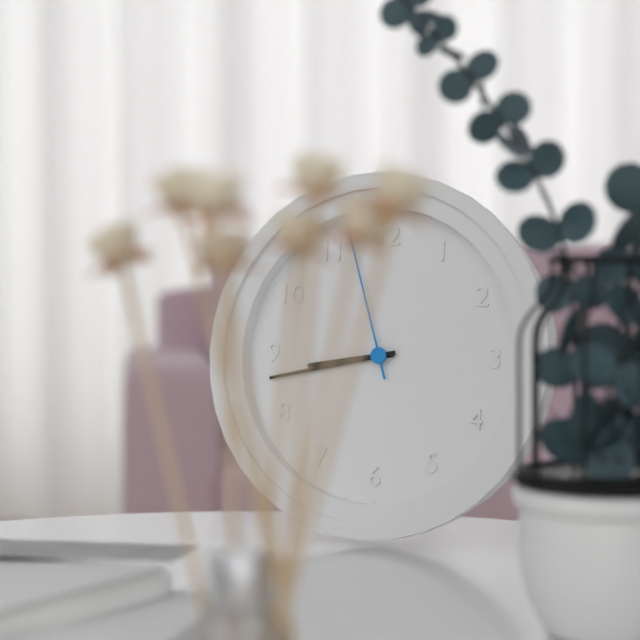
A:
8,43,57
